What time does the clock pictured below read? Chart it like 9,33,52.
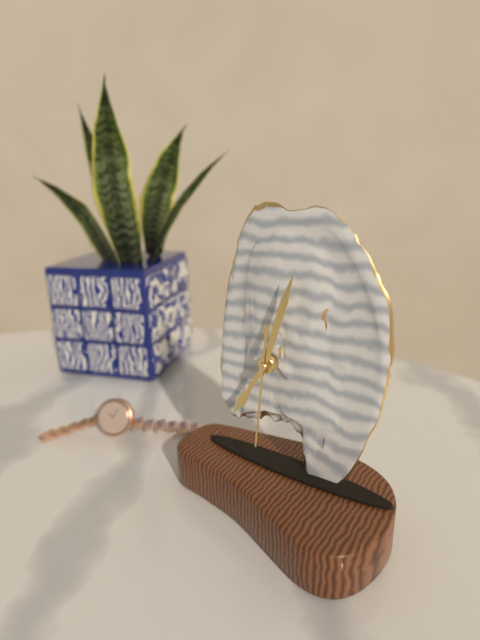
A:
7,03,31
